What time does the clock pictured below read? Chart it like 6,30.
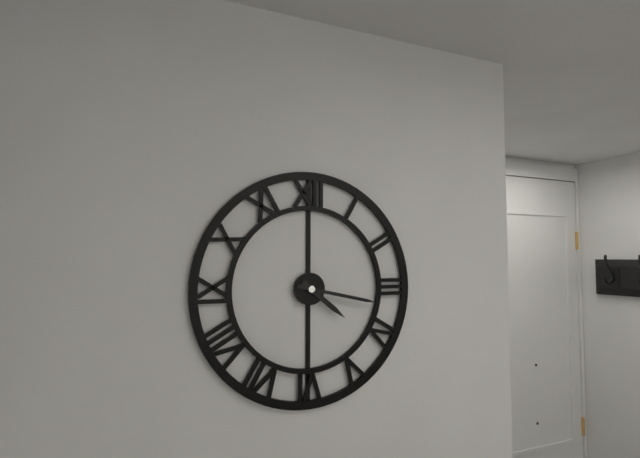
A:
4,17
